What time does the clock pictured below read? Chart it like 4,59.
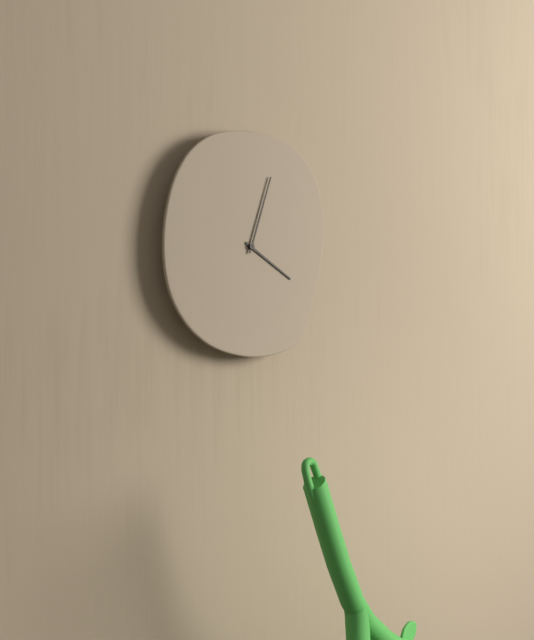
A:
4,03
